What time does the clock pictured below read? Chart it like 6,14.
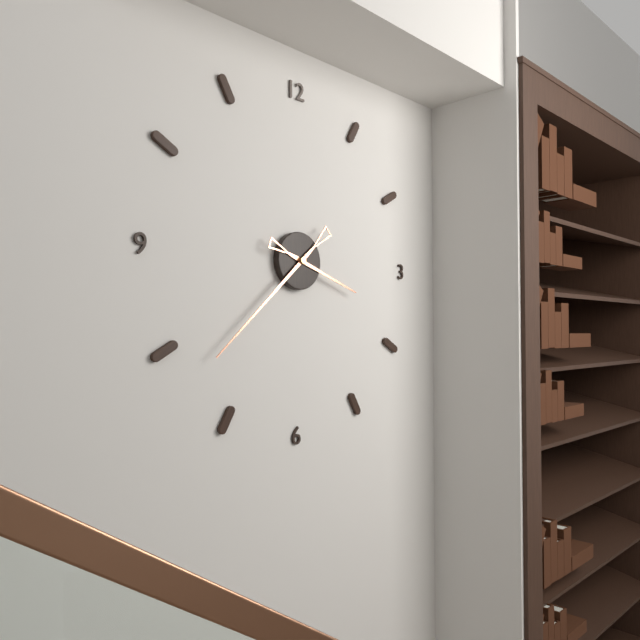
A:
3,38
